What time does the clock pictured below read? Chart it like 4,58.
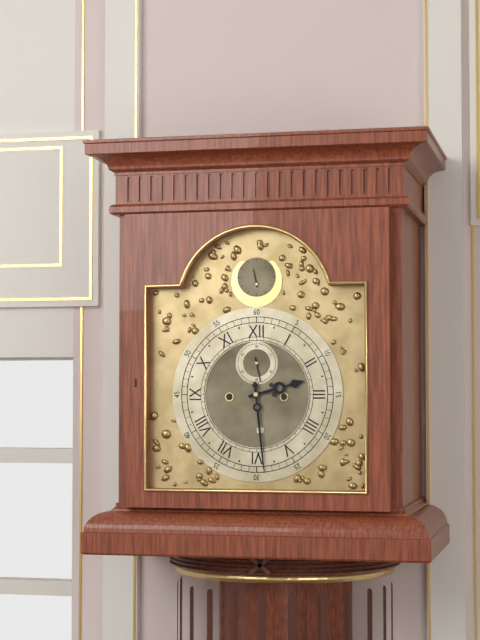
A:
2,29
